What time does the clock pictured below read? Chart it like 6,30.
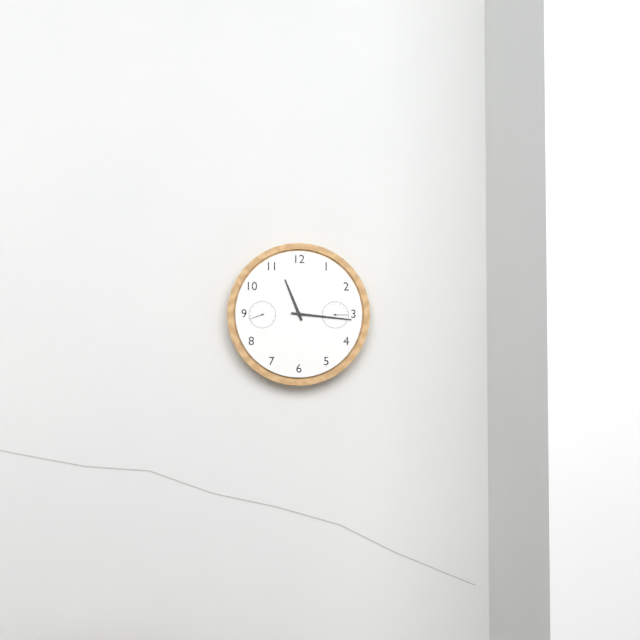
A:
11,16
